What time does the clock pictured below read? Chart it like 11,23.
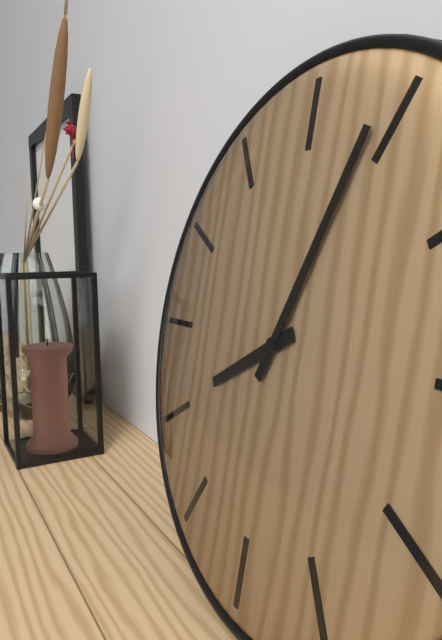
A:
8,04
